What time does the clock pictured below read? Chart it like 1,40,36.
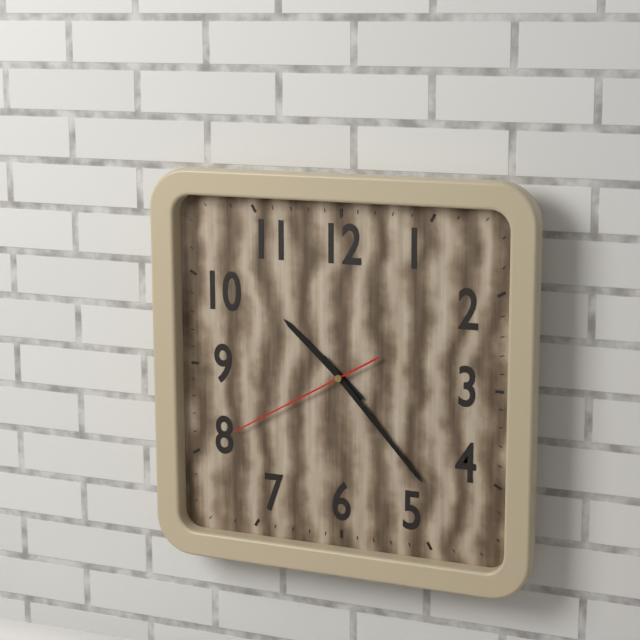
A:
10,23,40
